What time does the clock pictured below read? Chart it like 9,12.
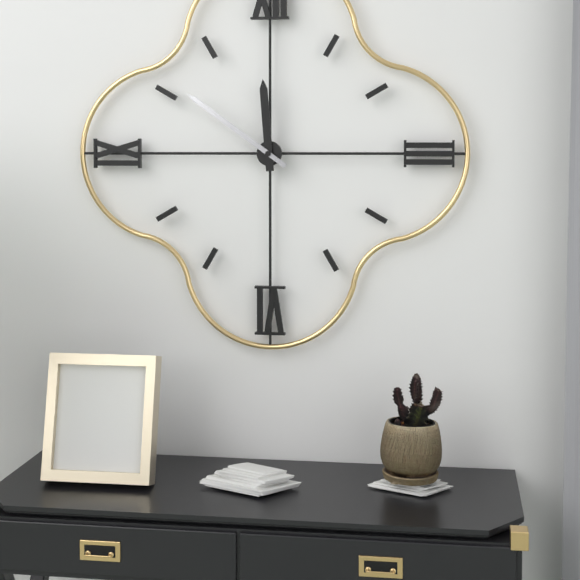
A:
11,51
